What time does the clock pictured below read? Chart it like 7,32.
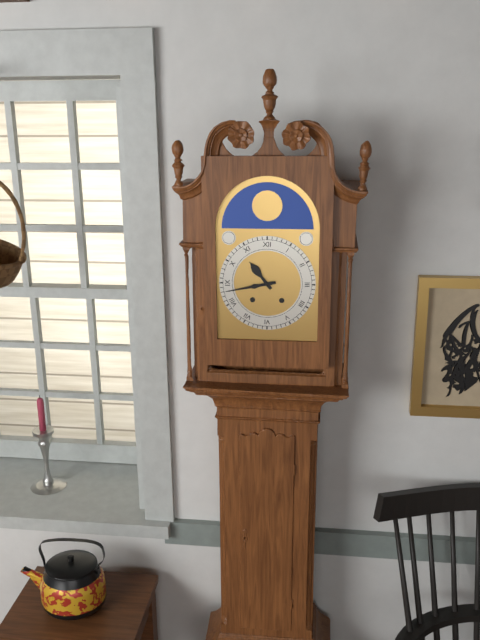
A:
10,43
